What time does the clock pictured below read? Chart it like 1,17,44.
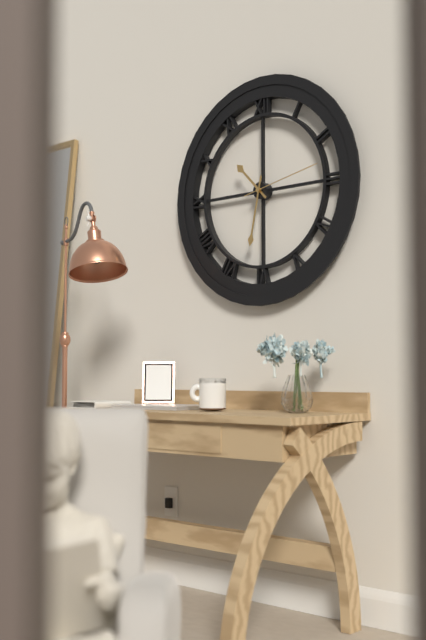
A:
10,32,13
